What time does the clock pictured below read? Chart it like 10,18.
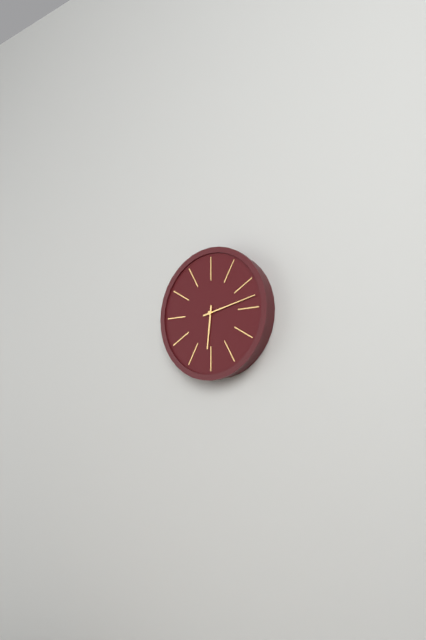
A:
6,13
